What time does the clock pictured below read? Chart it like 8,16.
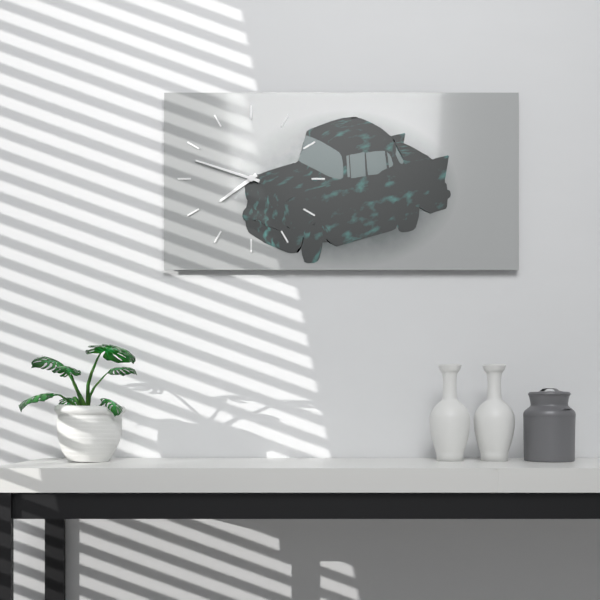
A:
7,48
